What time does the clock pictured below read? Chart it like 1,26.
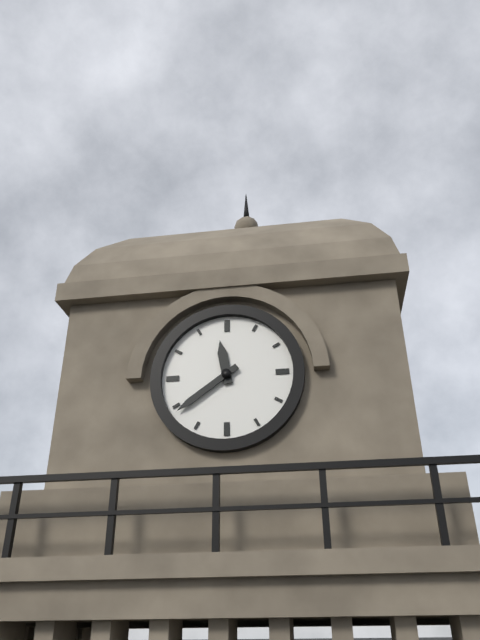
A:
11,39
